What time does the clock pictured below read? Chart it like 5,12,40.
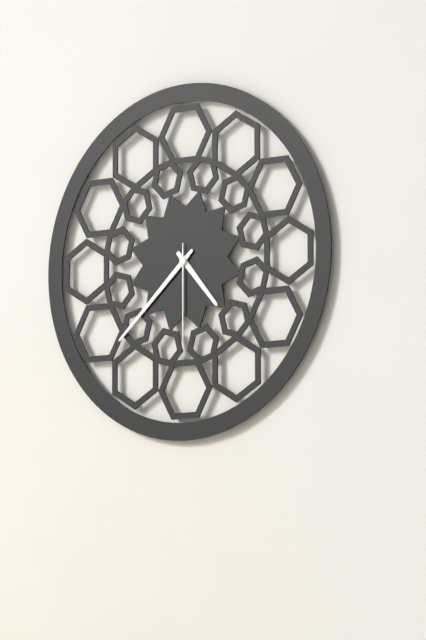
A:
4,38,30
